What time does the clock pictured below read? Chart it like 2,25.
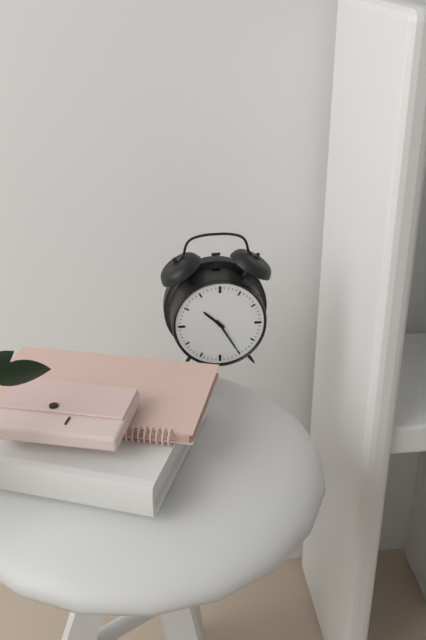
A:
10,25
